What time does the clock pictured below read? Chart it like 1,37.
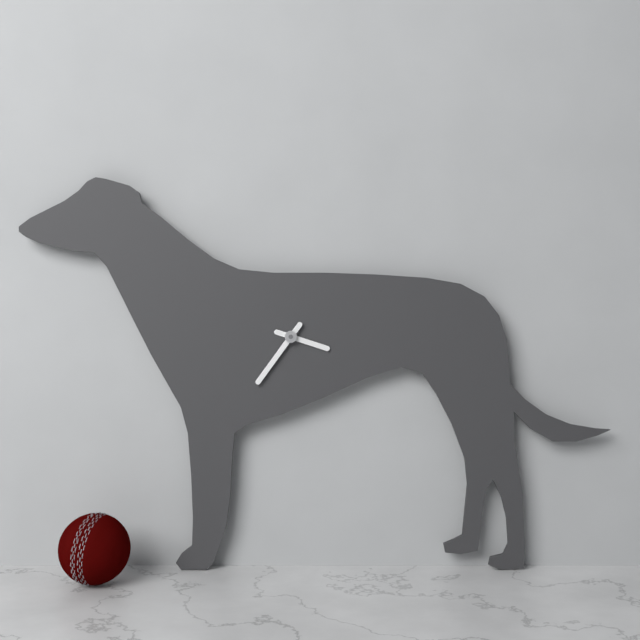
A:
3,36
